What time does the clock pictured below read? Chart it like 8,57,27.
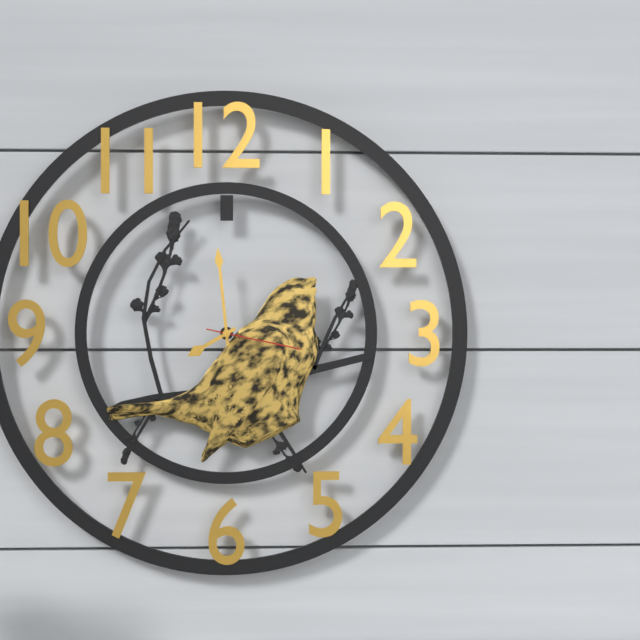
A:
7,59,17
